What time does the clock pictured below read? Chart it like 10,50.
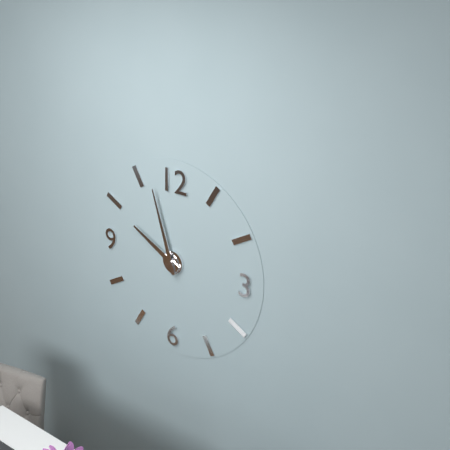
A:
9,57
